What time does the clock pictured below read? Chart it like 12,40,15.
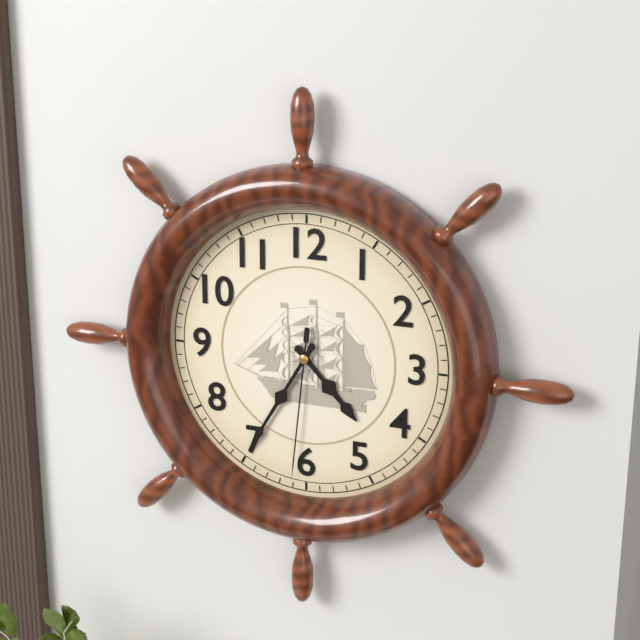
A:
4,35,31
